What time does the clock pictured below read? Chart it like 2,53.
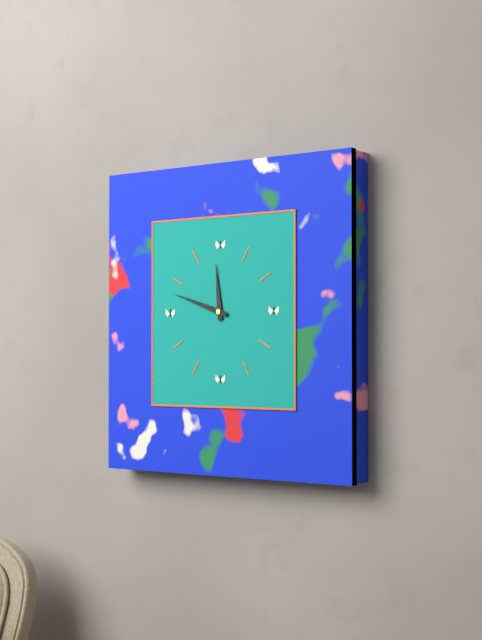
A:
11,48
